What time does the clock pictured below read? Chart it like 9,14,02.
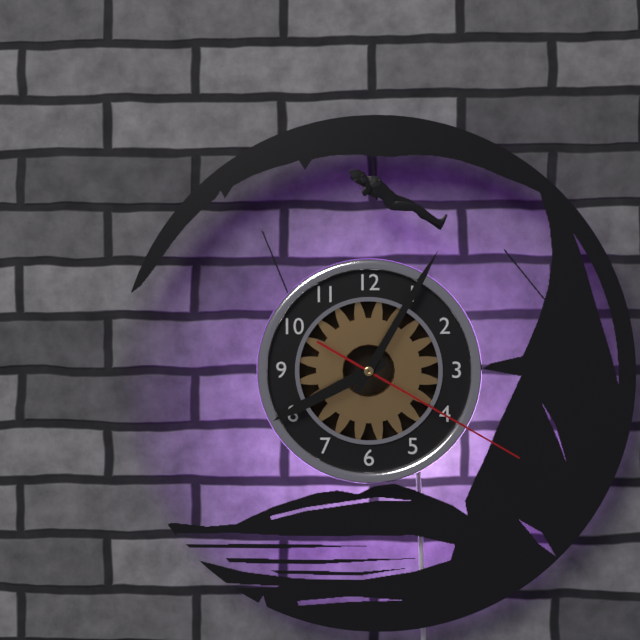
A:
8,05,20
